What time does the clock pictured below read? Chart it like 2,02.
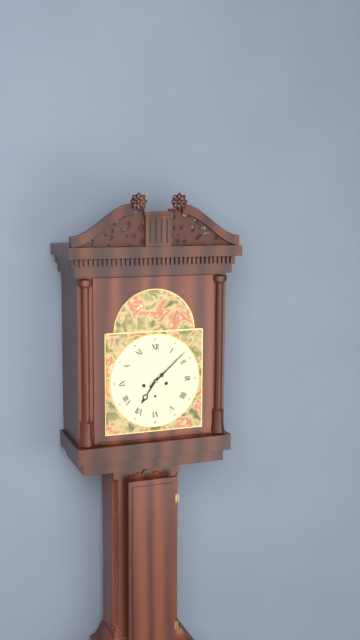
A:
7,08
